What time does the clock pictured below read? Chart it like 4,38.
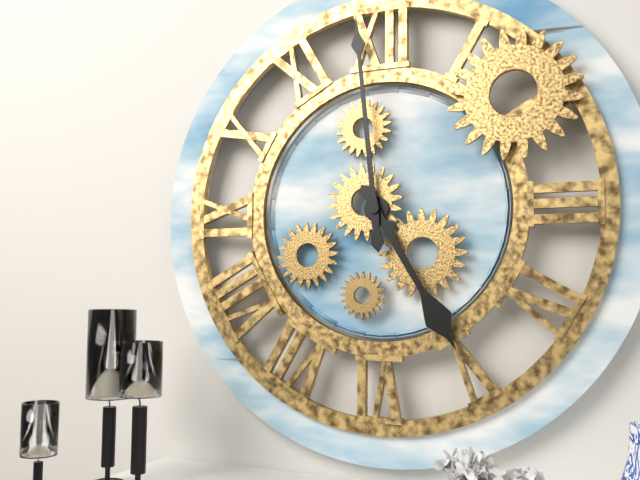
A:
4,59
